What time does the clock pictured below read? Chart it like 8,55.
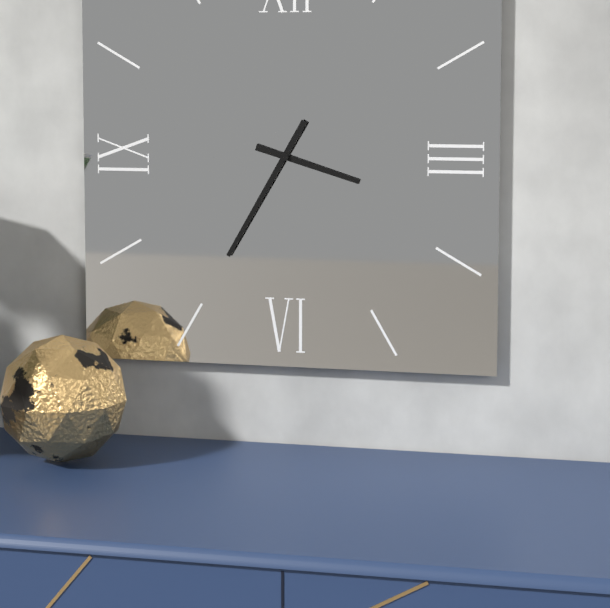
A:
3,35
